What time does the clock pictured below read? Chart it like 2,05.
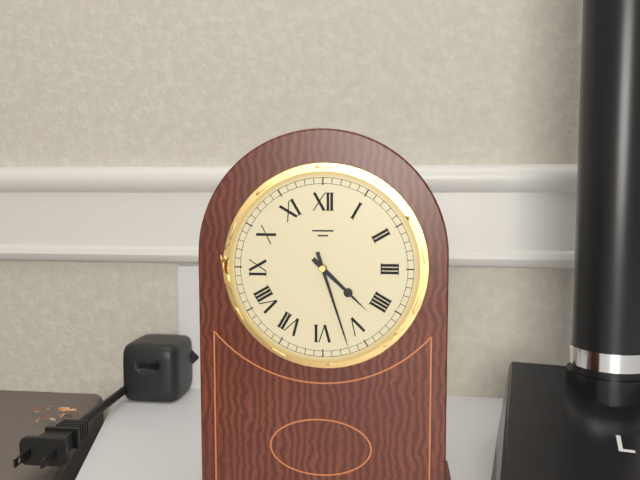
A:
4,27
